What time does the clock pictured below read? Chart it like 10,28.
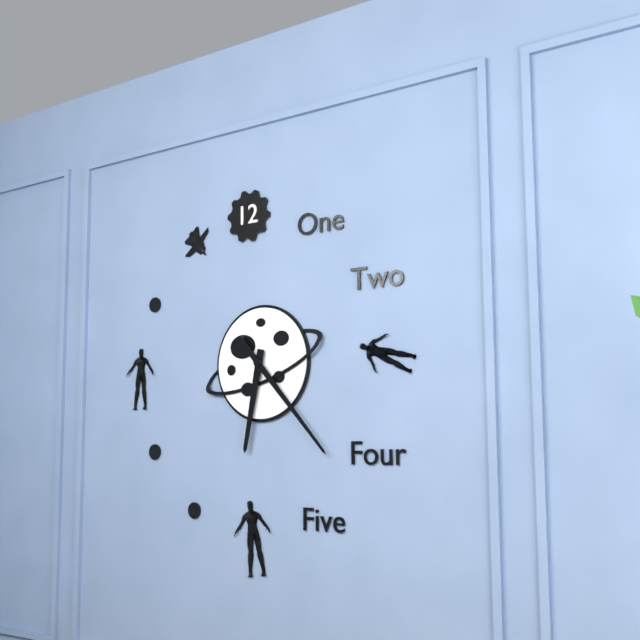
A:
6,23
